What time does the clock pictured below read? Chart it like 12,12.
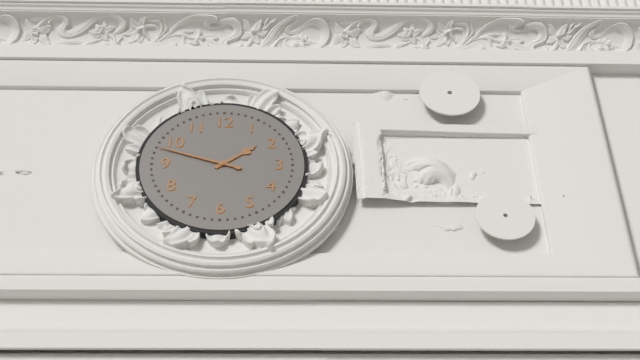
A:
1,48
